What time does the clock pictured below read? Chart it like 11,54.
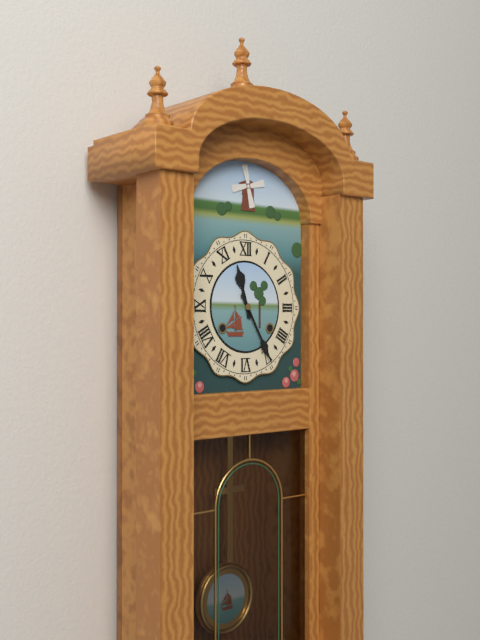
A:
11,25
